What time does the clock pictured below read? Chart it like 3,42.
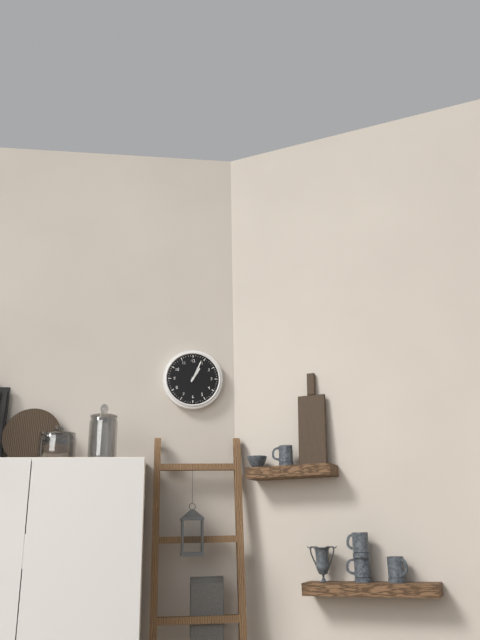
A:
1,04
